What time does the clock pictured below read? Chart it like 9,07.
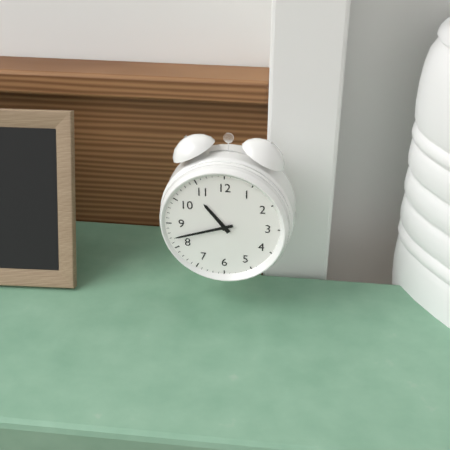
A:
10,42
